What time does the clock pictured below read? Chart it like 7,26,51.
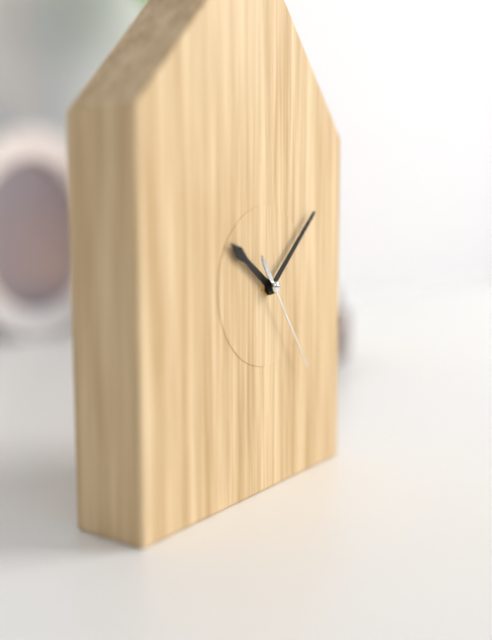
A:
10,08,24
